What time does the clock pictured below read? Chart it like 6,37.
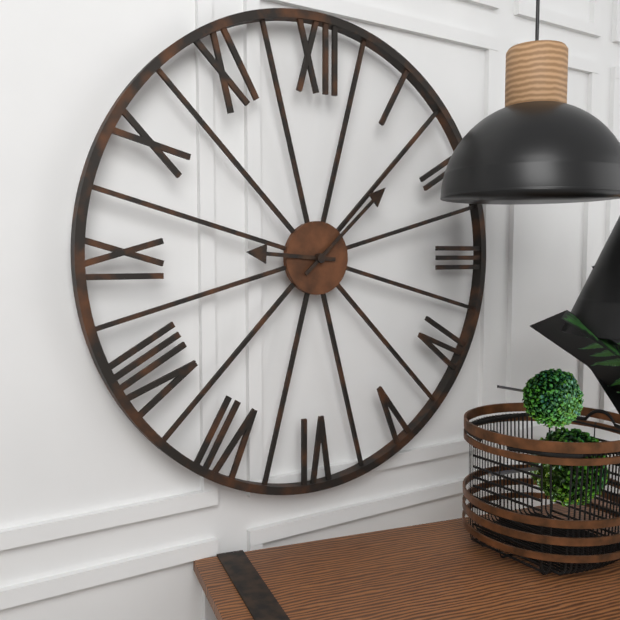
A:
9,08
